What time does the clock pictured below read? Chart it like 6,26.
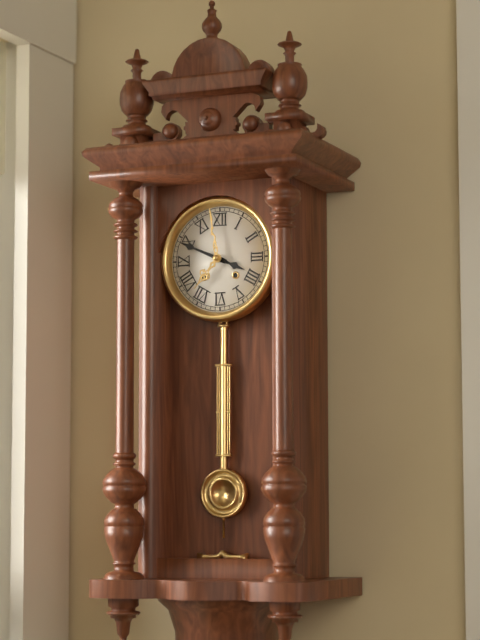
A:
3,49
